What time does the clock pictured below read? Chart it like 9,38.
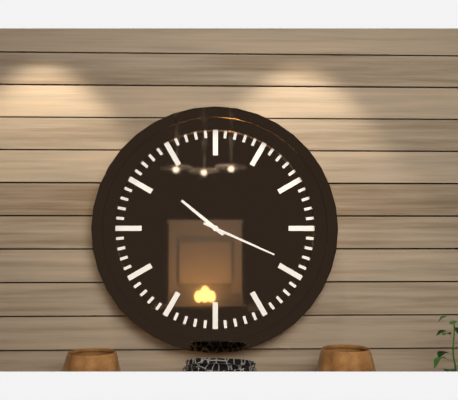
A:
10,19
